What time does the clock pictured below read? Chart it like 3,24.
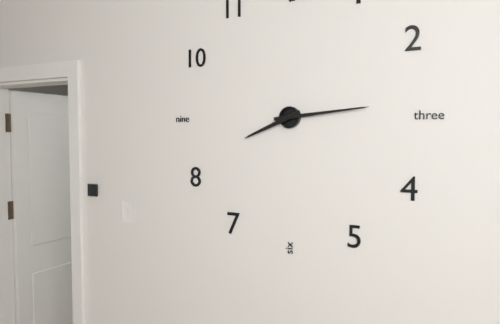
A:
8,14
